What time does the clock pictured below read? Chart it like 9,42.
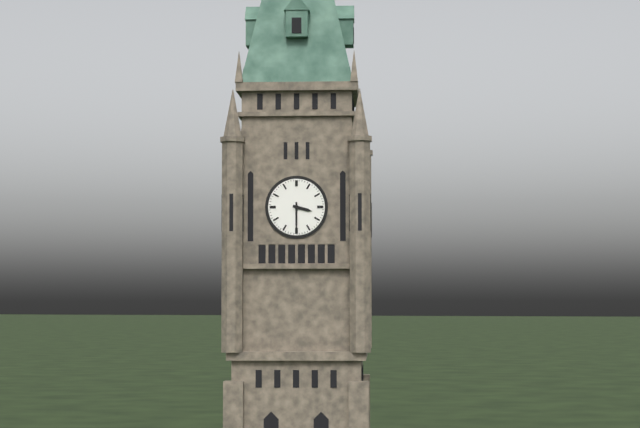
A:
3,30
